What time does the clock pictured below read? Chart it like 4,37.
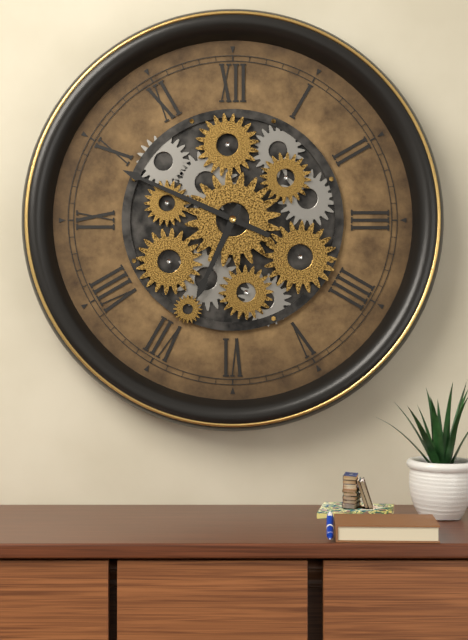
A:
6,49
